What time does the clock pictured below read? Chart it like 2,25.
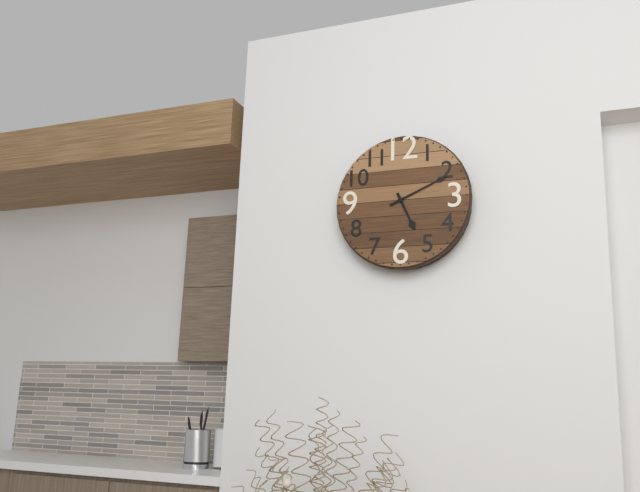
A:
5,11
